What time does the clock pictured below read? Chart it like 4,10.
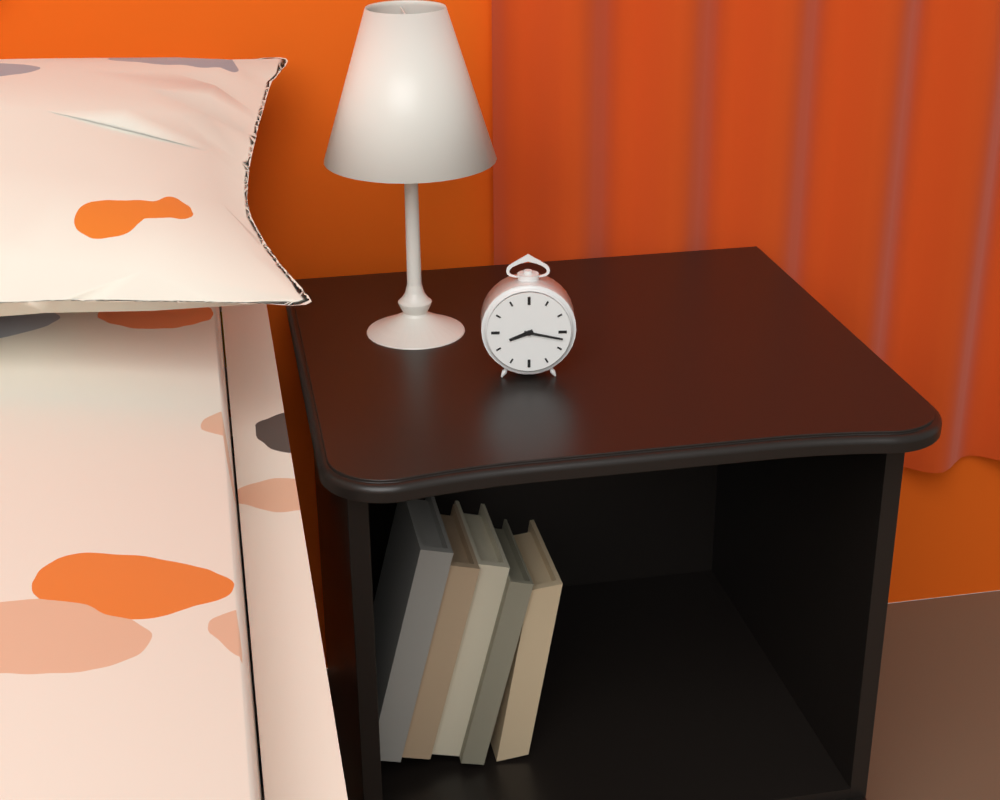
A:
8,17
